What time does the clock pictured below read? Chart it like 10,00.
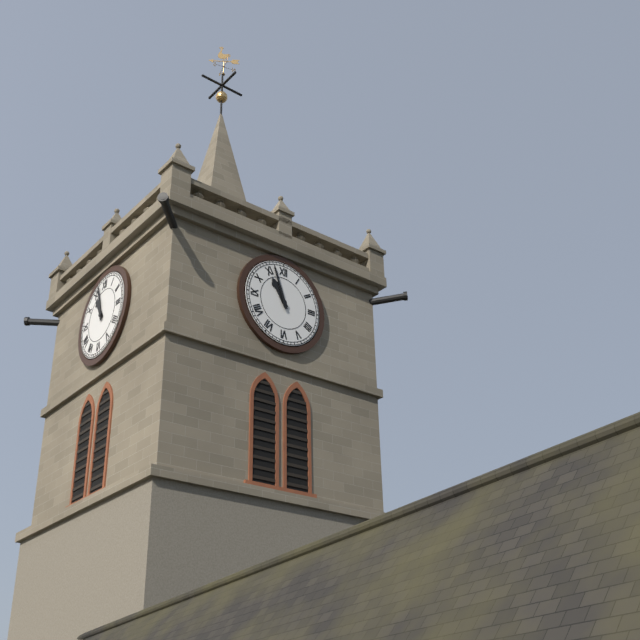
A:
10,57
